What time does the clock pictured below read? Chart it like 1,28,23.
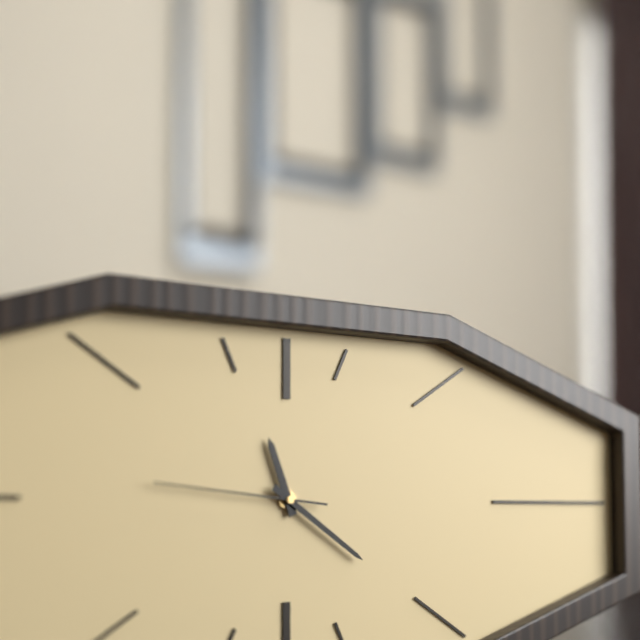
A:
11,21,46
